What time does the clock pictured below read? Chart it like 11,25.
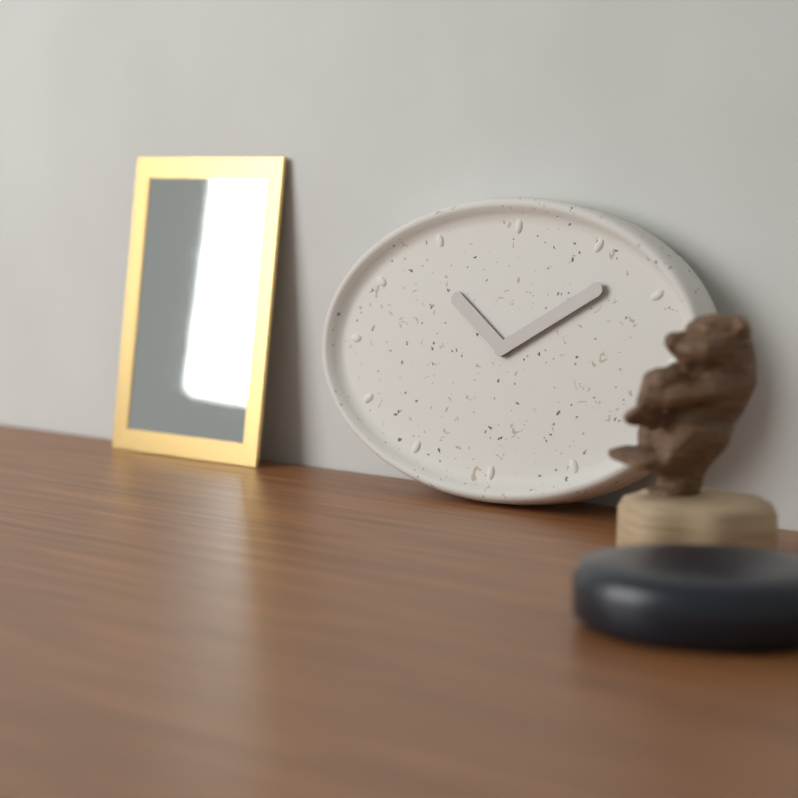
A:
10,10
